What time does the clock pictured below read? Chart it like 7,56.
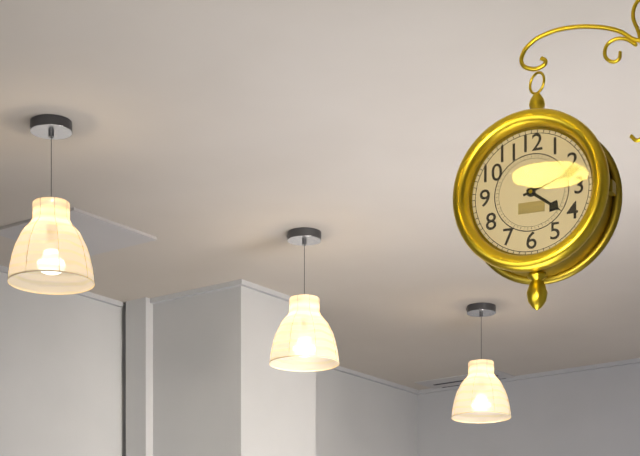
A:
4,12
